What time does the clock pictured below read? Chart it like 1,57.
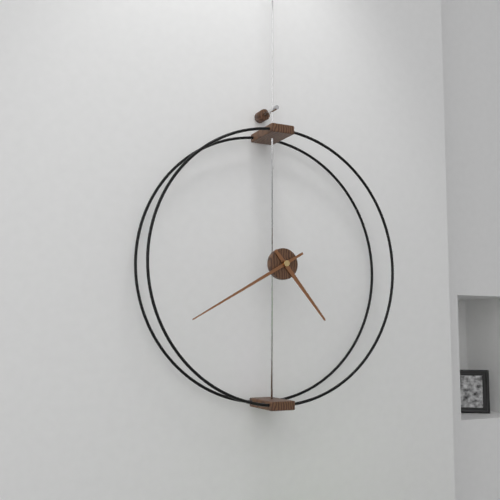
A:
4,40
